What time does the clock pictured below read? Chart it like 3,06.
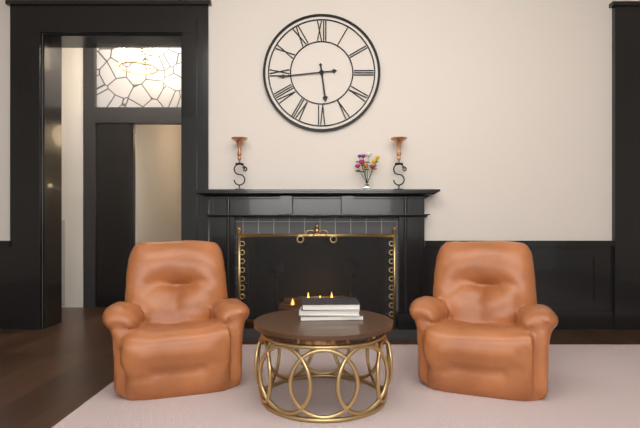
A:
5,44
